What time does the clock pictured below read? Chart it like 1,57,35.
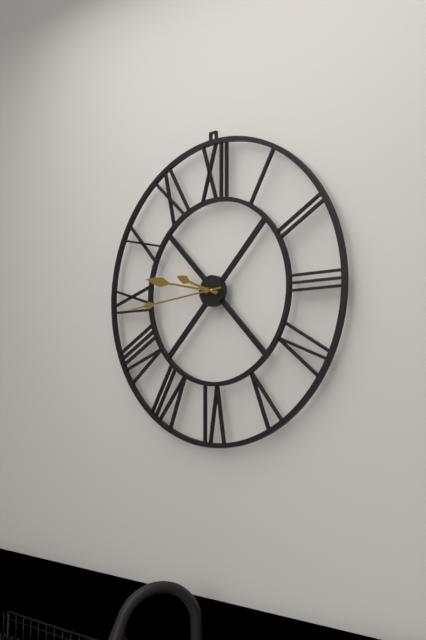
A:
9,44,47
